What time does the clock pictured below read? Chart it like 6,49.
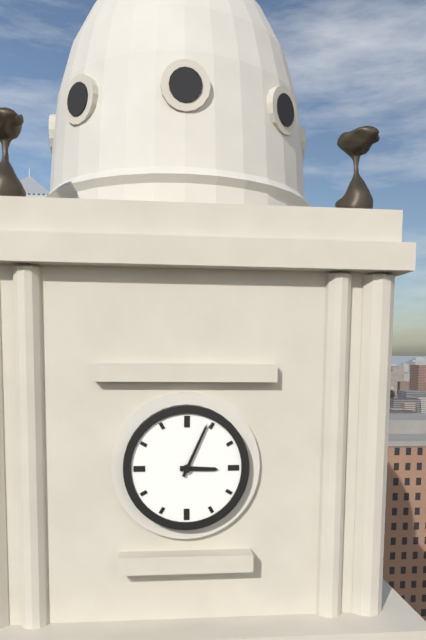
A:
3,04
